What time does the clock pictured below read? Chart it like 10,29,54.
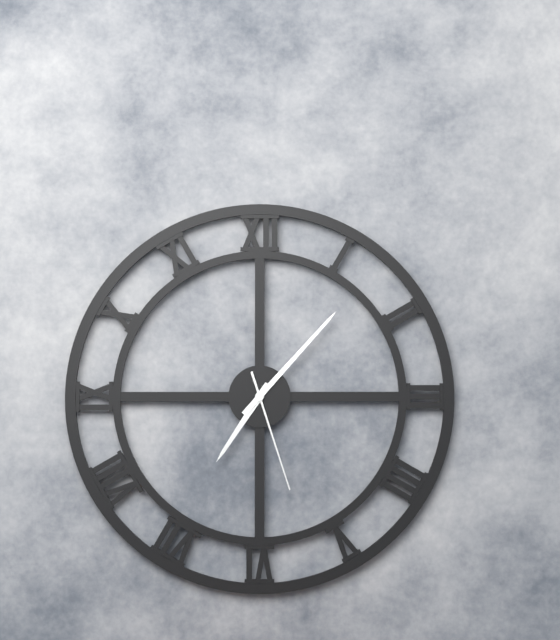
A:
7,07,27
